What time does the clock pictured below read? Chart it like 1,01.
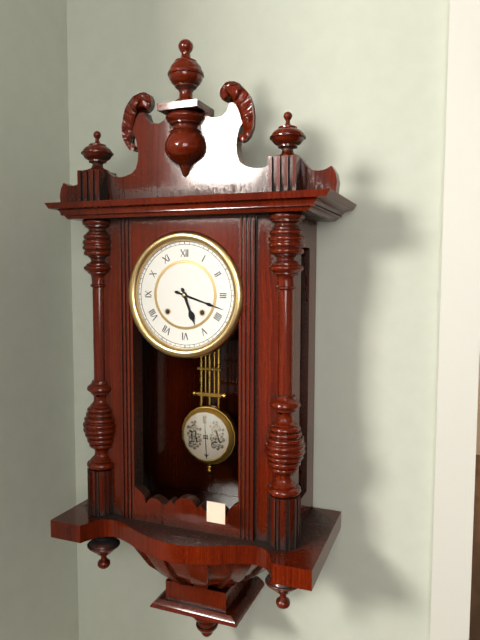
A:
5,18
